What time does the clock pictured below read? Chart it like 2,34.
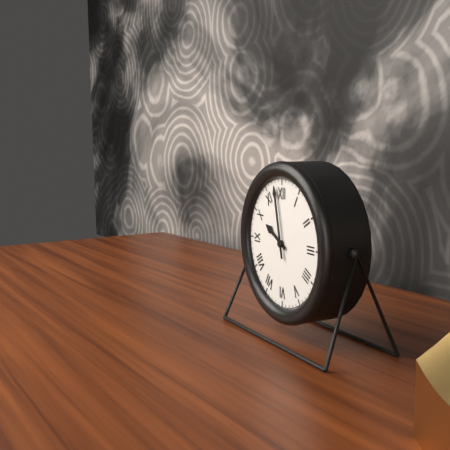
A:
9,58
